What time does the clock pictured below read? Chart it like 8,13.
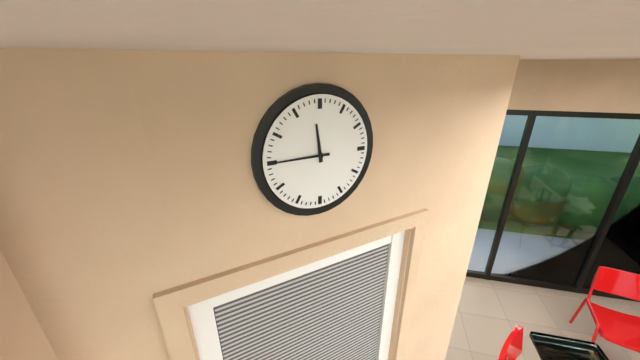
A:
11,45
